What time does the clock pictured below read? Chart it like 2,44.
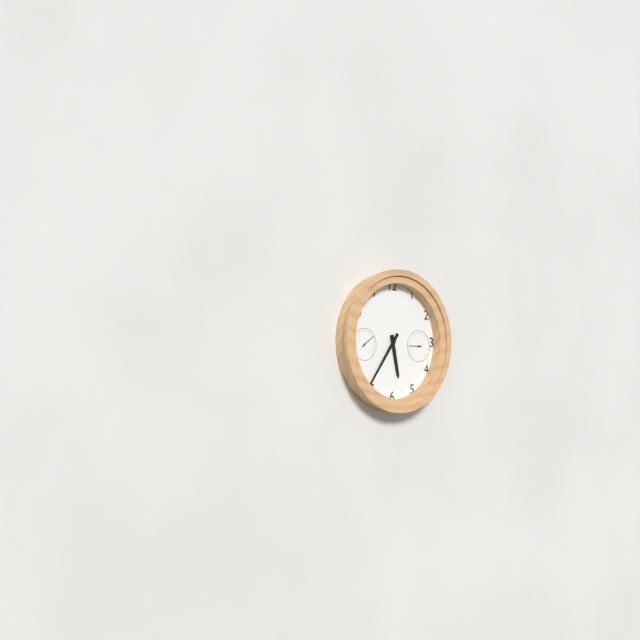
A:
5,36
